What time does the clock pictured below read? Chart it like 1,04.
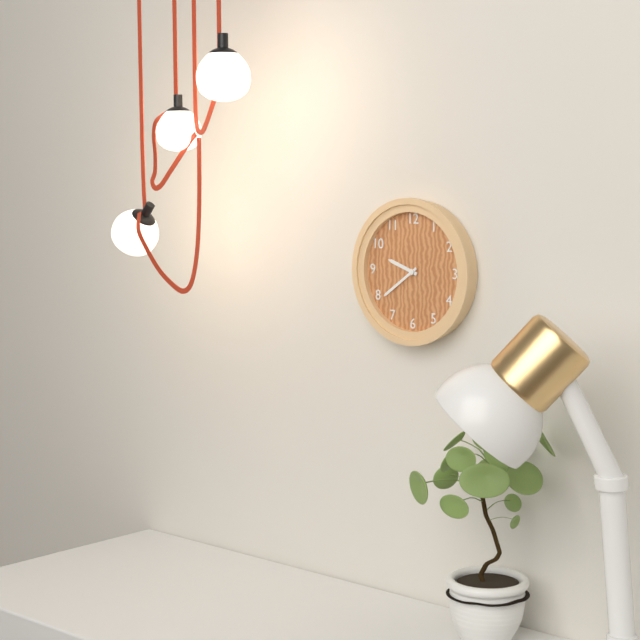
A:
9,39
